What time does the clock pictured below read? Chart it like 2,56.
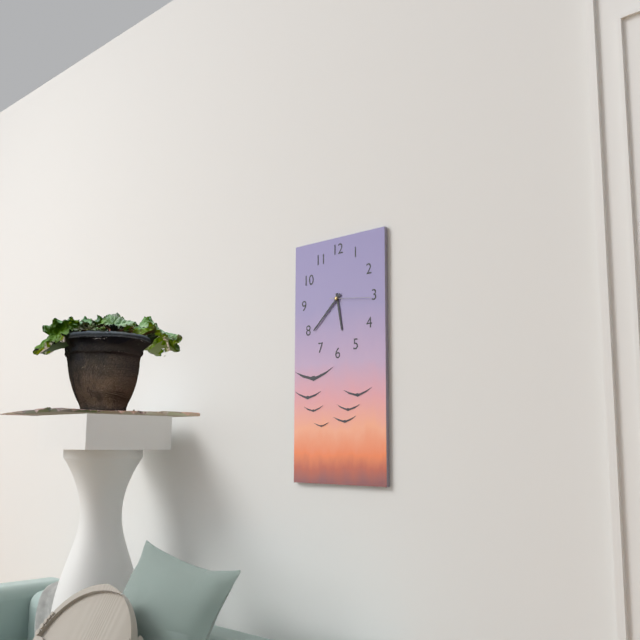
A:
5,38
